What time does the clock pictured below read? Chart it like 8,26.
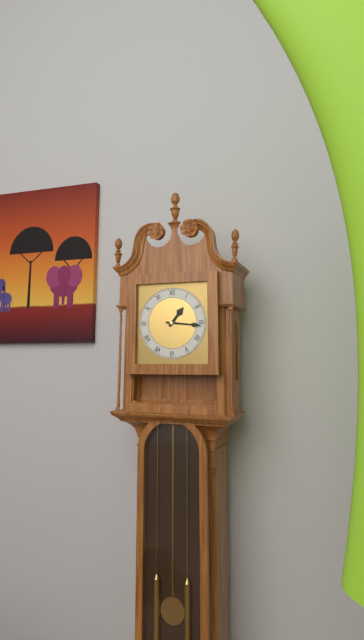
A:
1,16
